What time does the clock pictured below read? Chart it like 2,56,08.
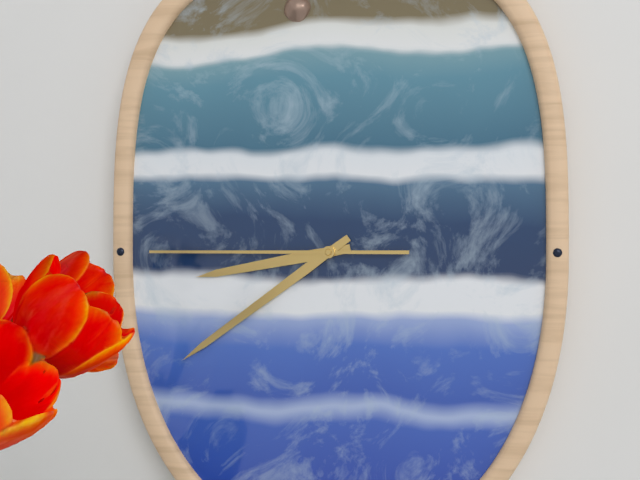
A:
8,39,45
